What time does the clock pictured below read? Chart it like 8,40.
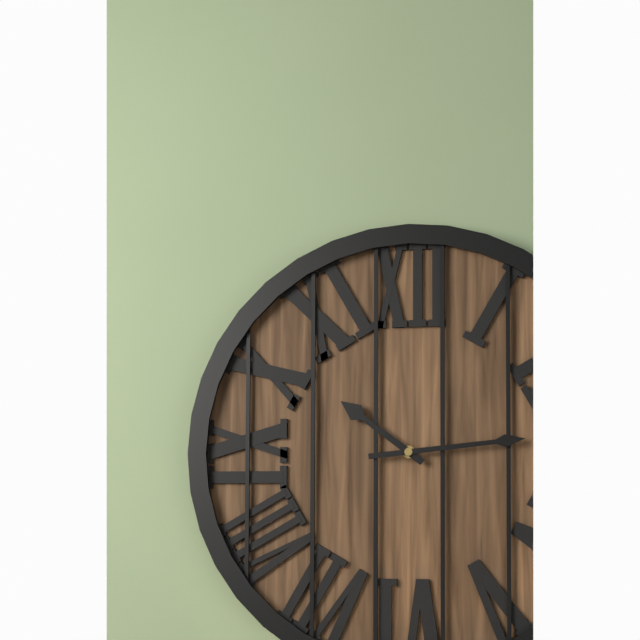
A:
10,14
